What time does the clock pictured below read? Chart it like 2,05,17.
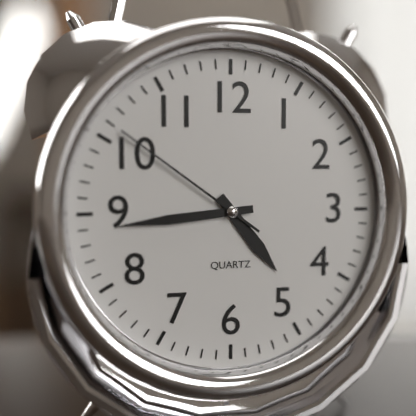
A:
4,44,51
